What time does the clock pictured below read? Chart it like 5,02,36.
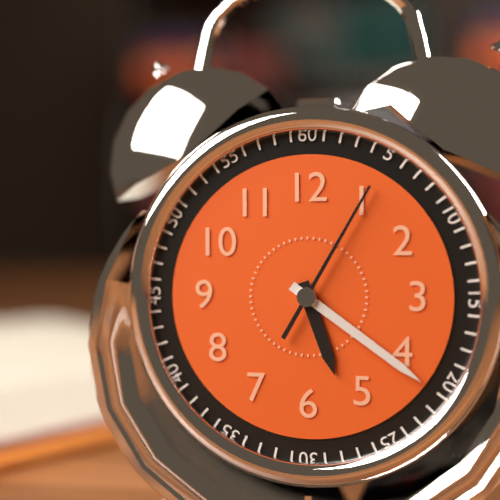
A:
5,21,05
